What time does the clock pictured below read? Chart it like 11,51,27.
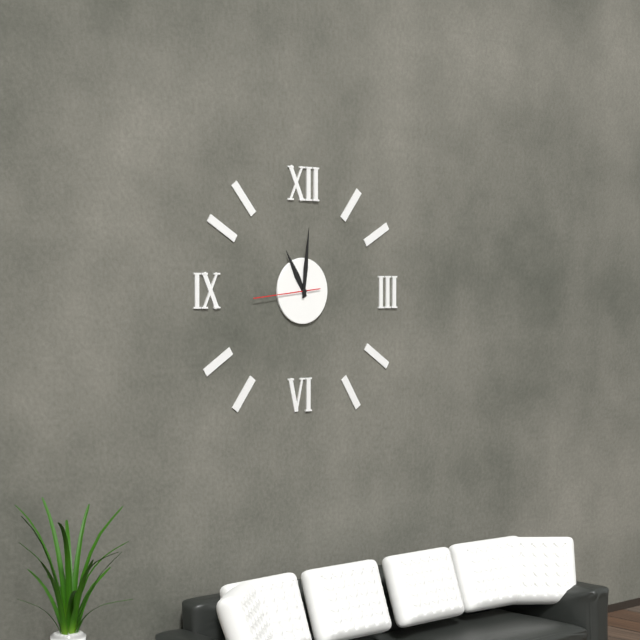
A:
11,01,44
